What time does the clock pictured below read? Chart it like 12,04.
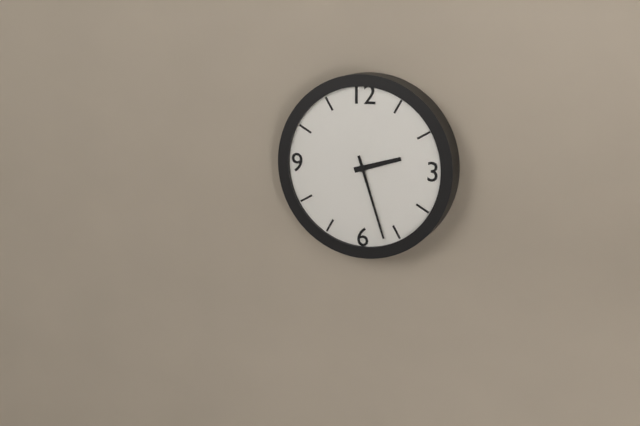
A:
2,27
